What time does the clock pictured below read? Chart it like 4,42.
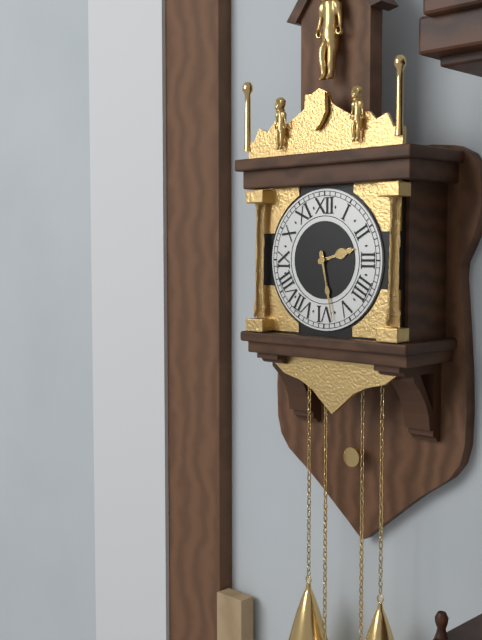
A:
2,28
